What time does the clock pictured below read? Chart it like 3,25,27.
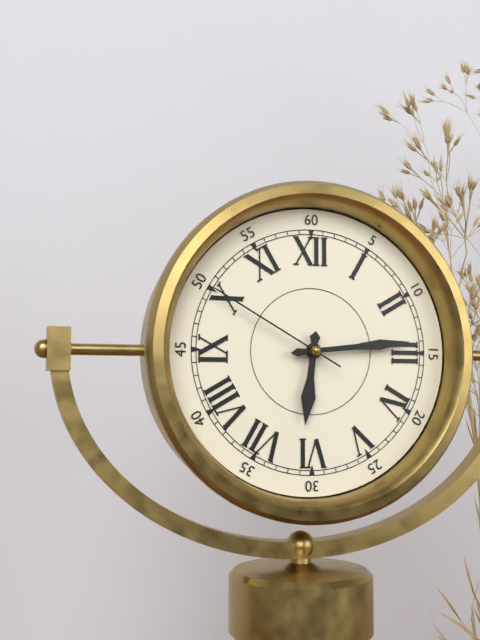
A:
6,14,50
